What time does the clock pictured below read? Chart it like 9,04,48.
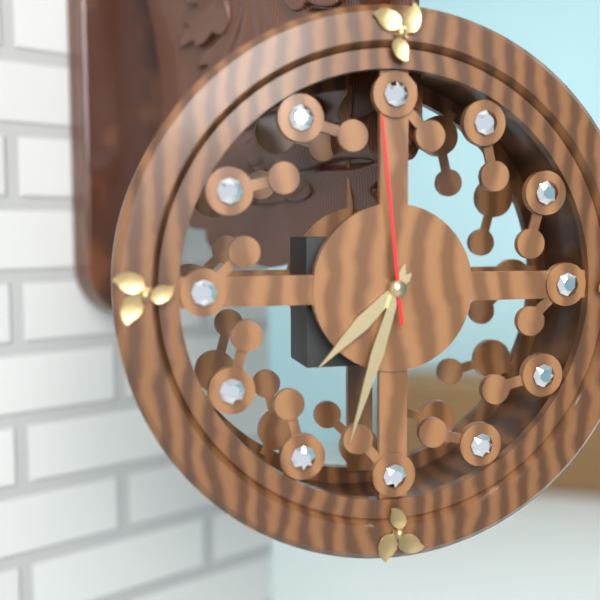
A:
7,33,59
